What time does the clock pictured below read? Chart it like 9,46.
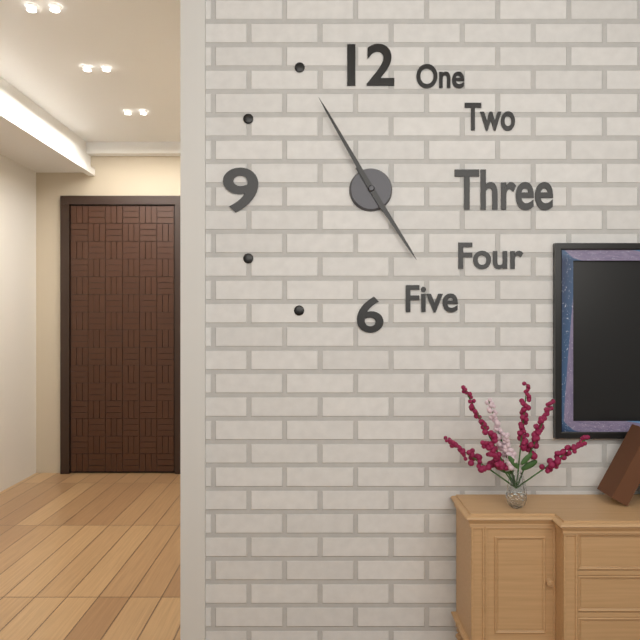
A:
4,55
